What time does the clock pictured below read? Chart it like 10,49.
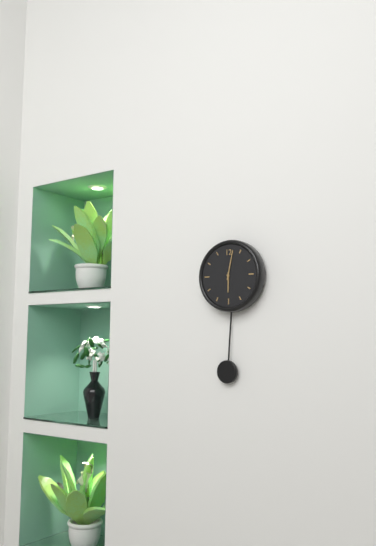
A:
6,02
